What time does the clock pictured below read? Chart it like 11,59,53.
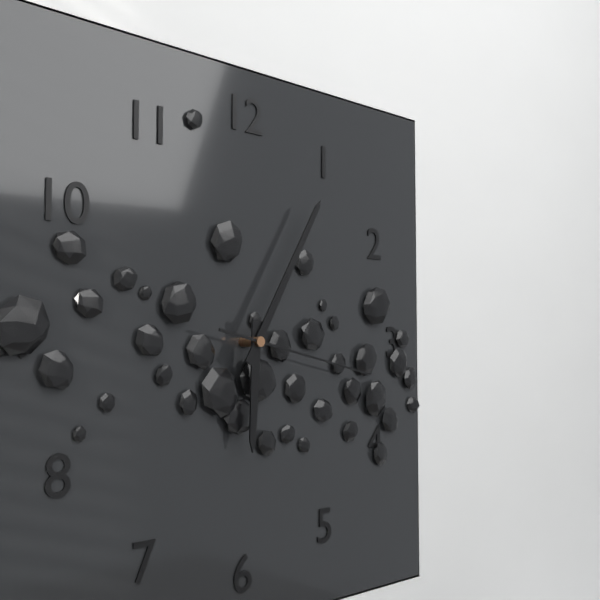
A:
6,05,17
